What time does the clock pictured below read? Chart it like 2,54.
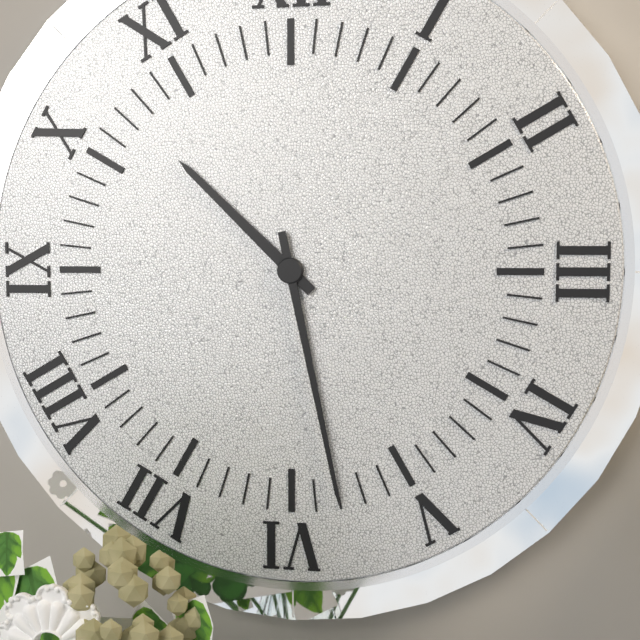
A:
10,28
